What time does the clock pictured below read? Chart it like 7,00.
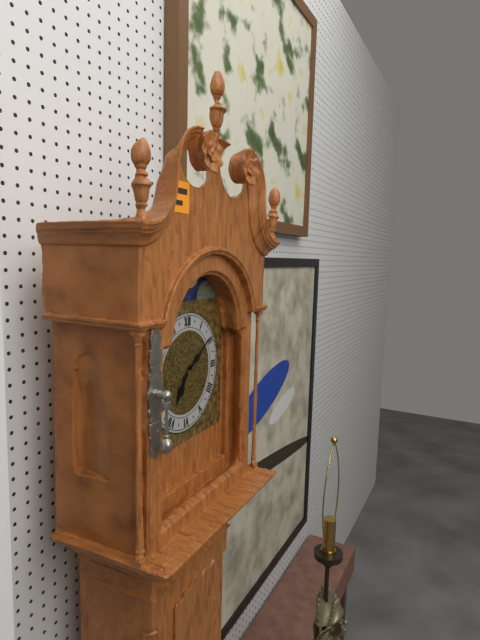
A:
7,09
